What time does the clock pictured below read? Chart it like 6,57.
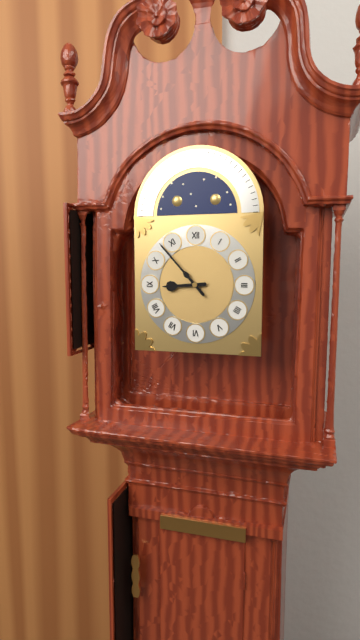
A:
8,53
